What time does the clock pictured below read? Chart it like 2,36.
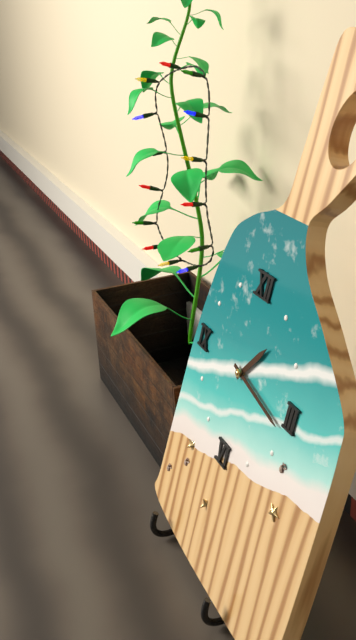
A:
1,17
